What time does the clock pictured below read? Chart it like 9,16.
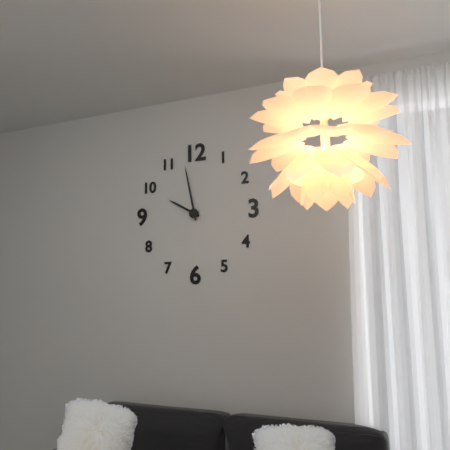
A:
9,58
